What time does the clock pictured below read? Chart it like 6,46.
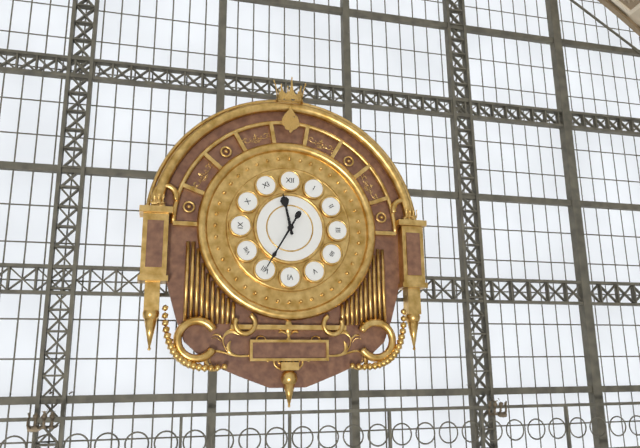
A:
11,35
